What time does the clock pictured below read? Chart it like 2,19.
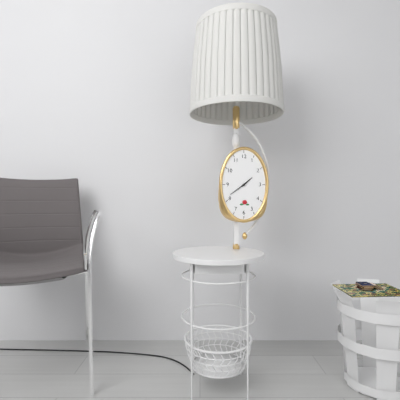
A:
1,39
